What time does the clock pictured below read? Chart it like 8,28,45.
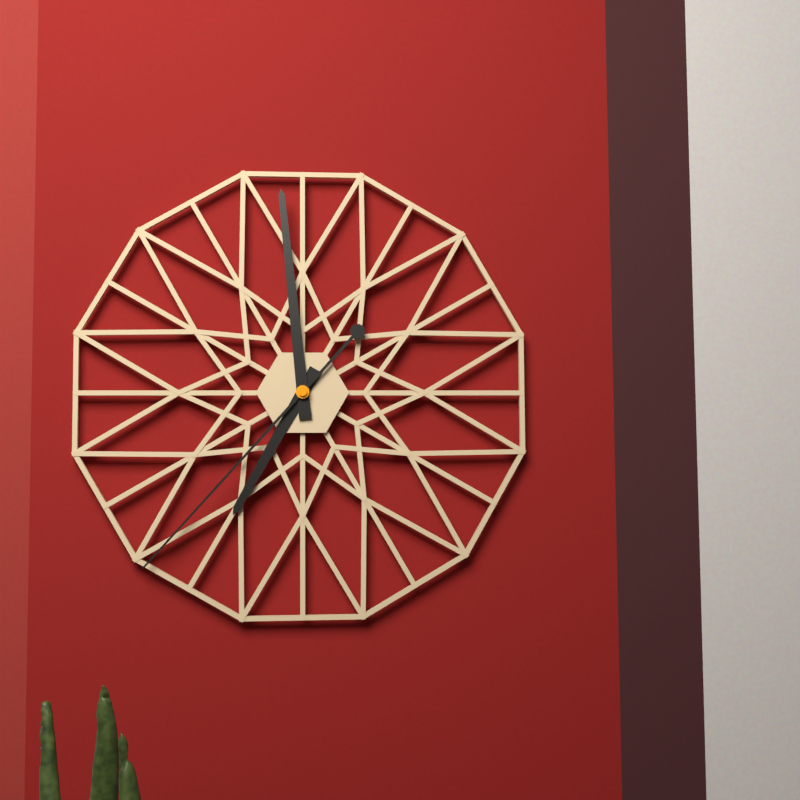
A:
6,59,37
